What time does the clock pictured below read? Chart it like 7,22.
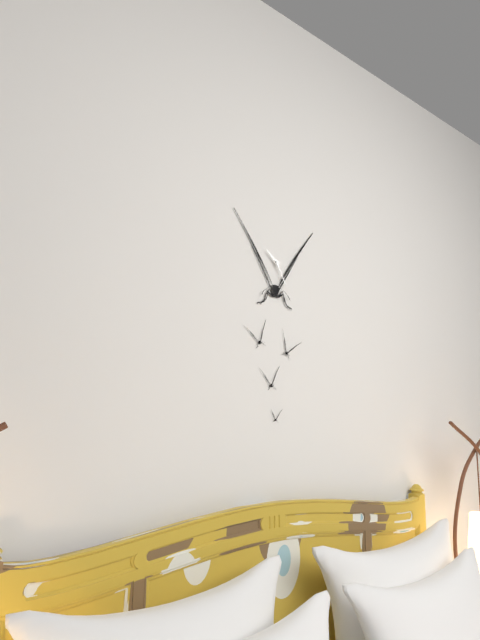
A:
10,25
